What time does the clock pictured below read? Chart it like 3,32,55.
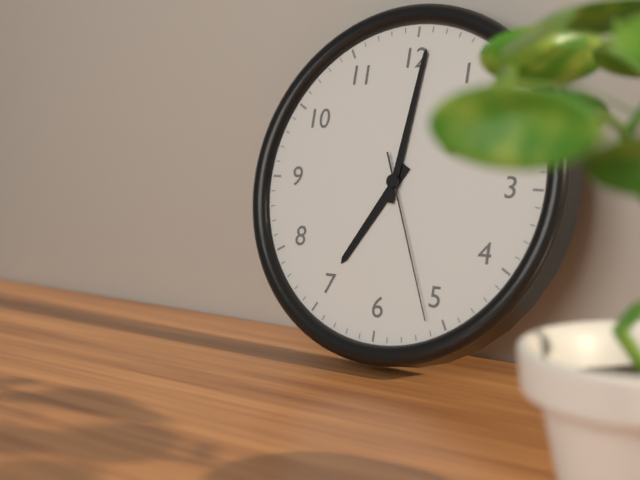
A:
7,01,26
